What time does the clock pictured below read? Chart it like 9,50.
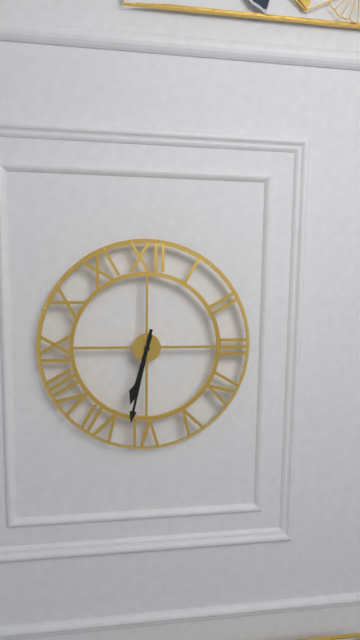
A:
6,32
